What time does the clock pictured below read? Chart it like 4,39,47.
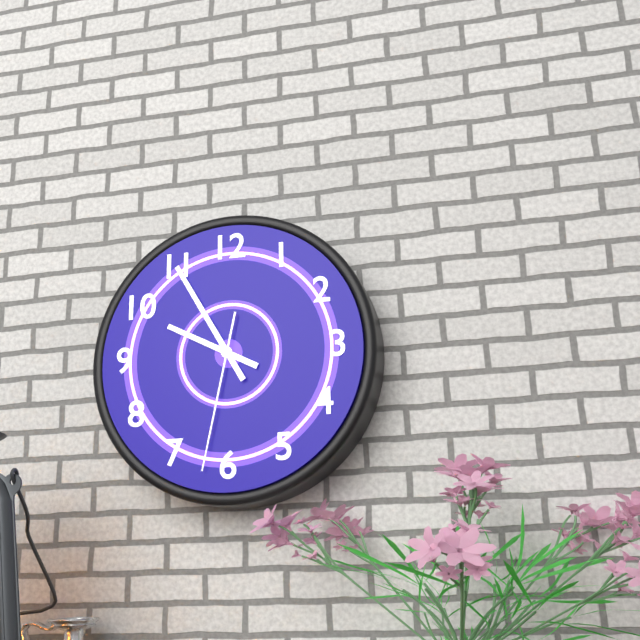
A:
9,55,32
